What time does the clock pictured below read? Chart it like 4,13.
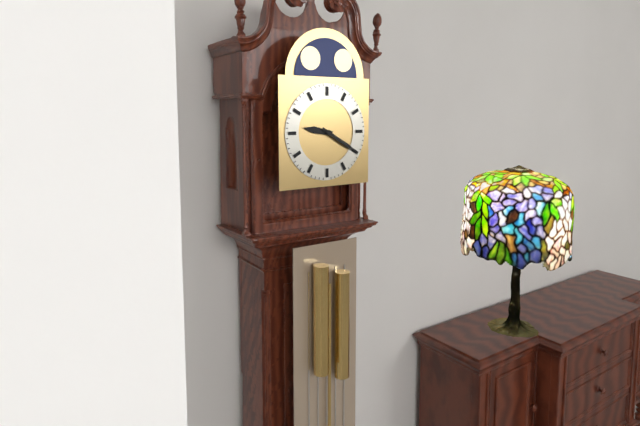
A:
9,20
